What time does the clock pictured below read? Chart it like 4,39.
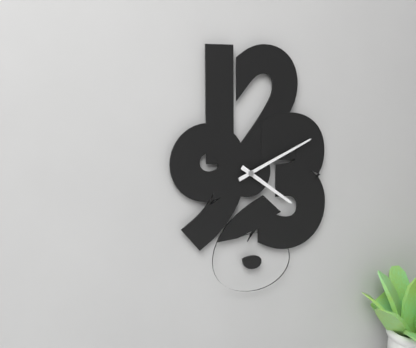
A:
4,11
